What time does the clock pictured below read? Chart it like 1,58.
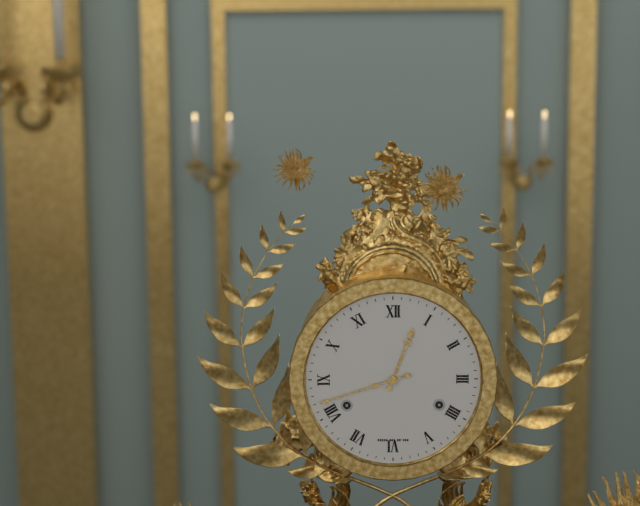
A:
12,42
